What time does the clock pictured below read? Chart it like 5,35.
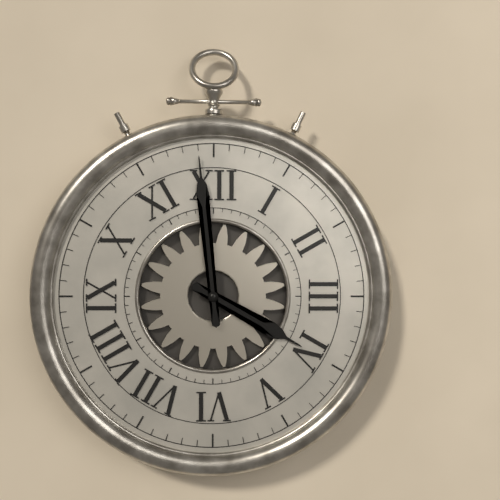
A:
3,59
